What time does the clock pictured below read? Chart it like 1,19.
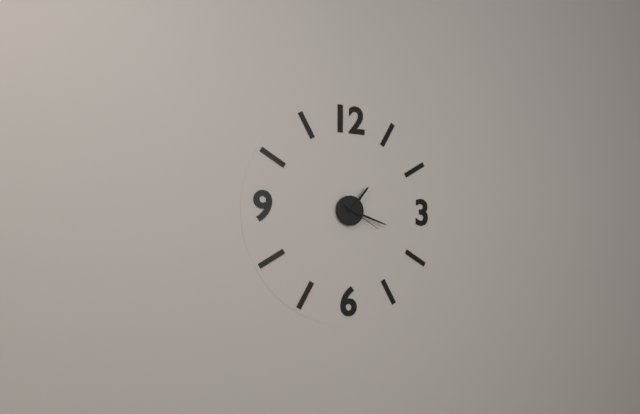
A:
1,18
